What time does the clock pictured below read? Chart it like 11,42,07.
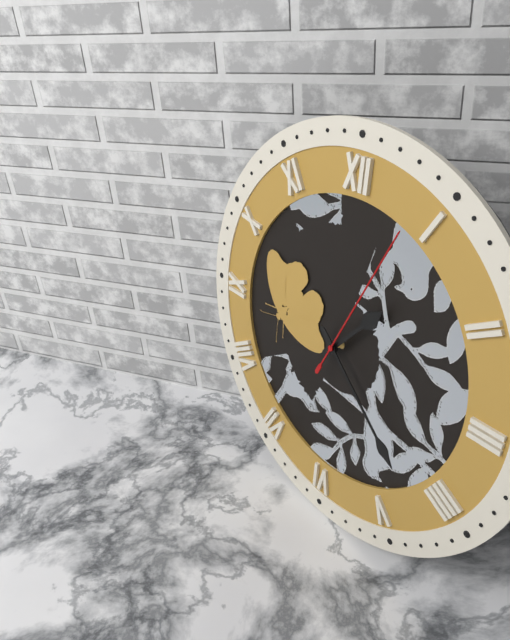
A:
1,22,04
